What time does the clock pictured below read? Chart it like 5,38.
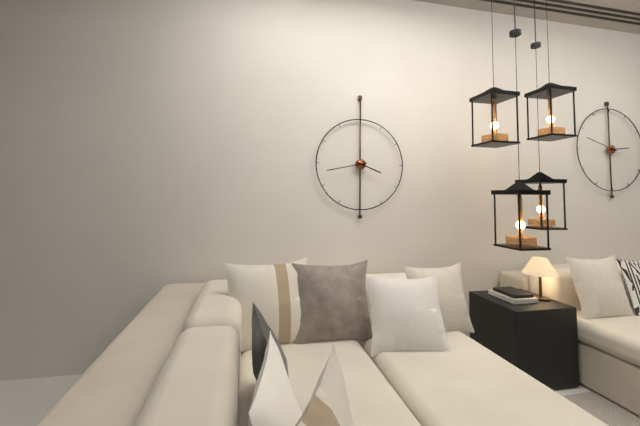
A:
3,43
